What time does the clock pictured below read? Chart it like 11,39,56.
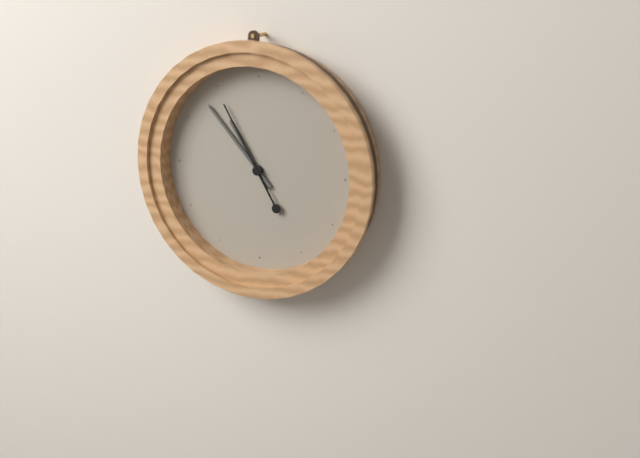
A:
10,53,55
